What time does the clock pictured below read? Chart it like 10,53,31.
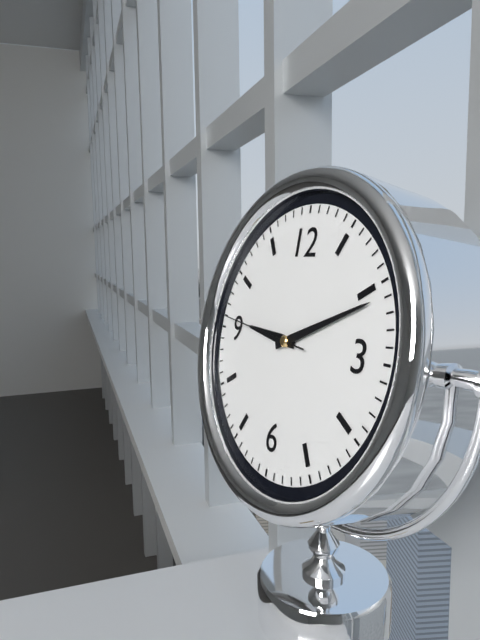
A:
9,11,46
